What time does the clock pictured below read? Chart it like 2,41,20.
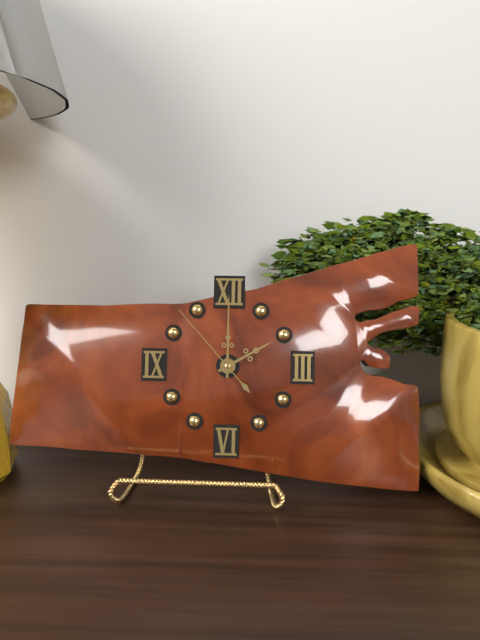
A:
2,00,53
